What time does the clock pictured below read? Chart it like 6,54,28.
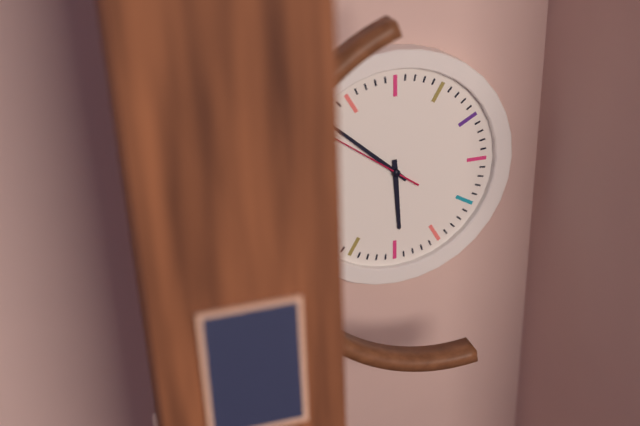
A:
5,52,51
